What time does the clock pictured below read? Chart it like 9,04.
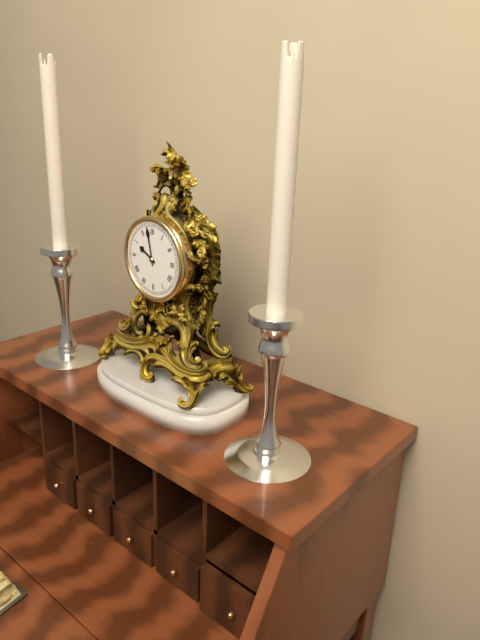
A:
9,58
